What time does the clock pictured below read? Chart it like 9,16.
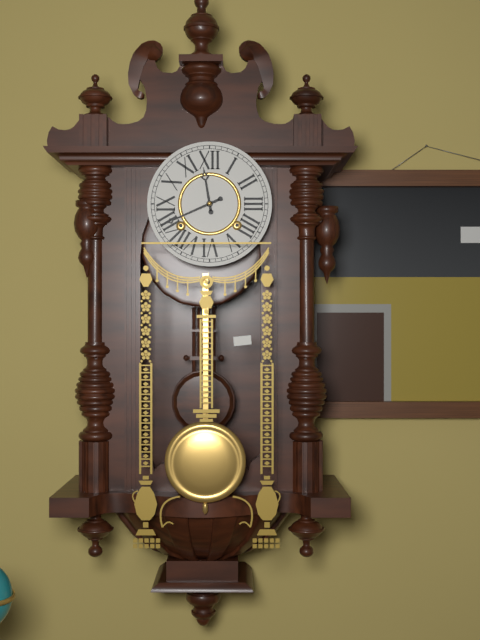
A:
11,41
